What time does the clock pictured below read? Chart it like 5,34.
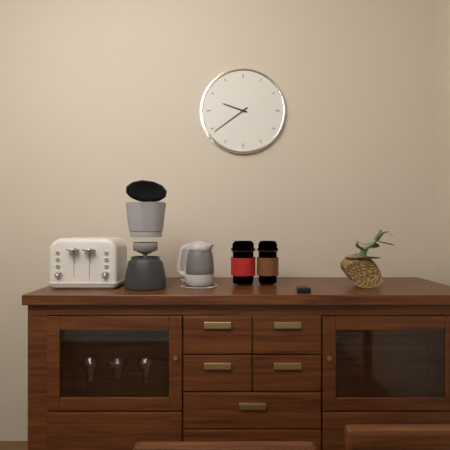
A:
9,39
